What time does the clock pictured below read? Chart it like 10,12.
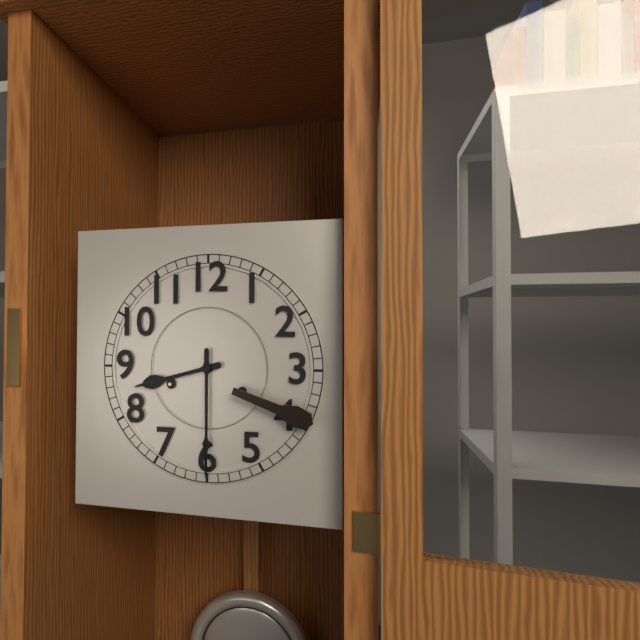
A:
8,30
